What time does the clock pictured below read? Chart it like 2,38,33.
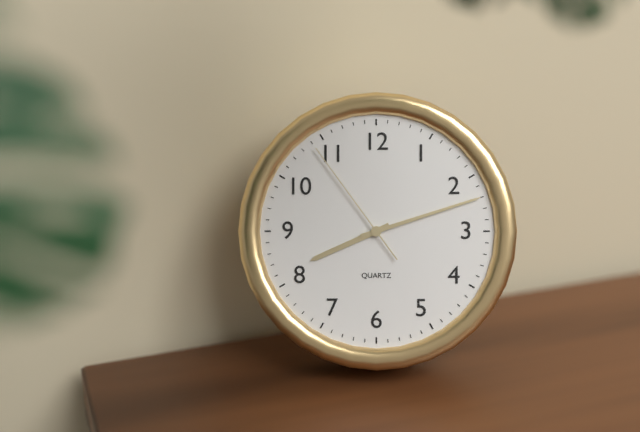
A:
8,12,54
